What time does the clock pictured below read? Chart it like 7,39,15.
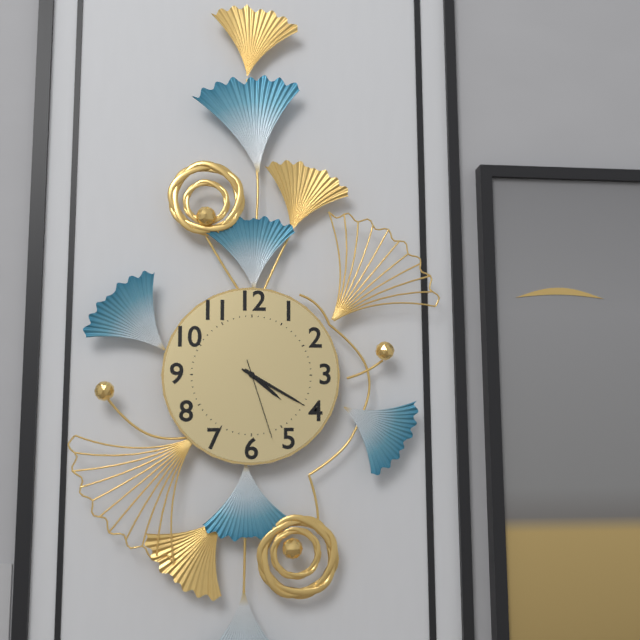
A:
4,20,27
